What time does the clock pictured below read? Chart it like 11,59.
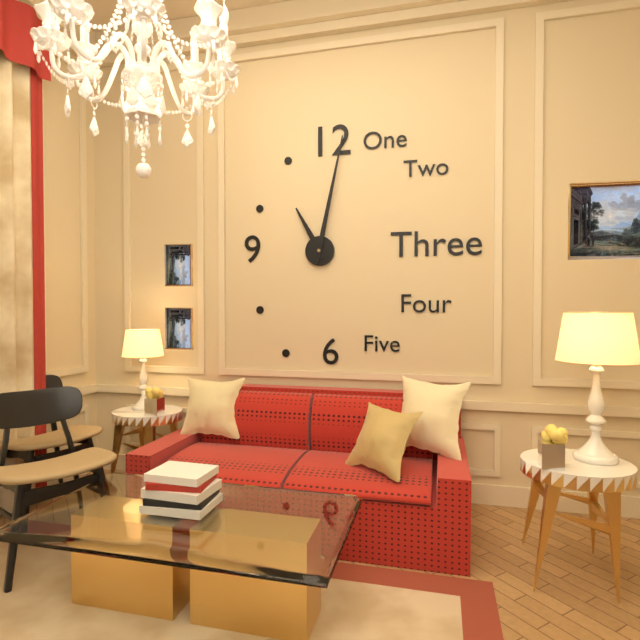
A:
11,02
